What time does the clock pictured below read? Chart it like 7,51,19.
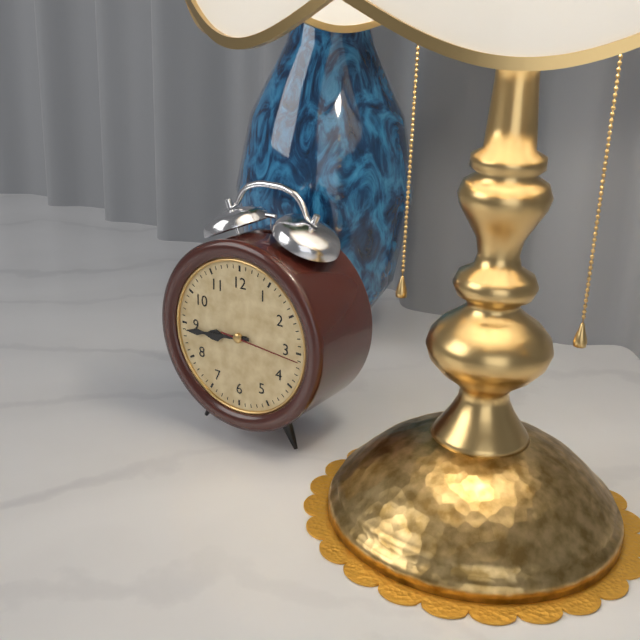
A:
8,44,16
